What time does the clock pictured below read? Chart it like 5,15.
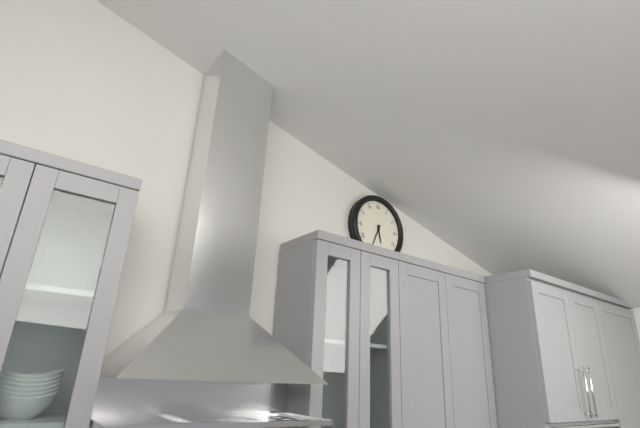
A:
5,34
